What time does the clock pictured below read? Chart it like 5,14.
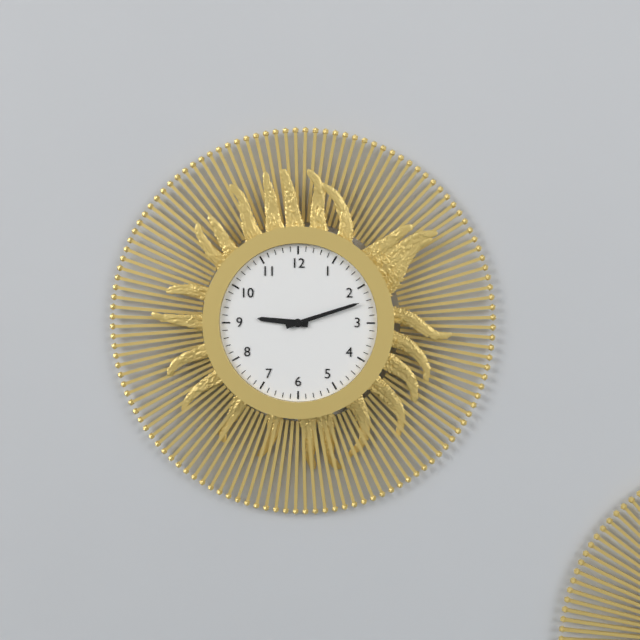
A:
9,12
